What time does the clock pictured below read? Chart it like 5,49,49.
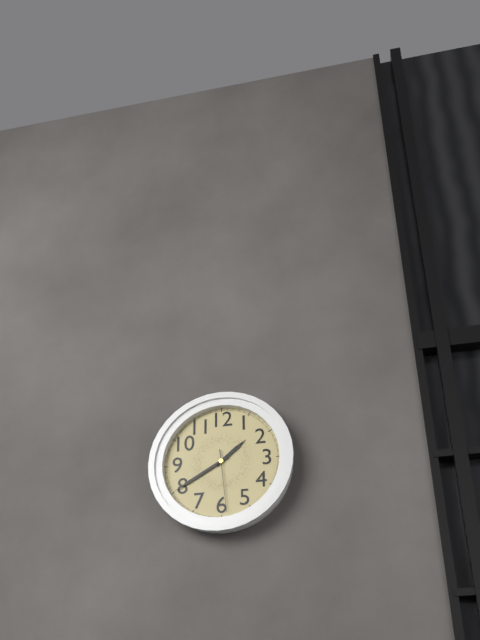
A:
1,40,29
